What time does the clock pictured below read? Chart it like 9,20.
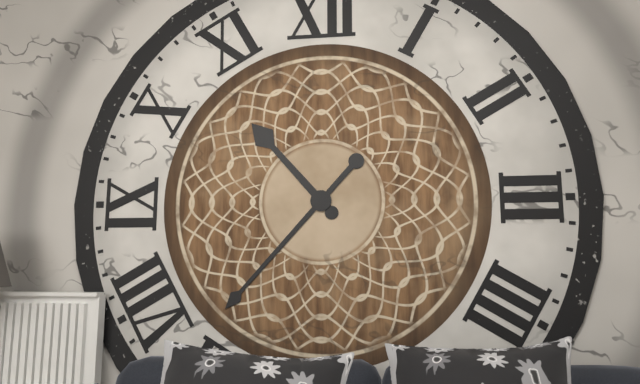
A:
10,37
